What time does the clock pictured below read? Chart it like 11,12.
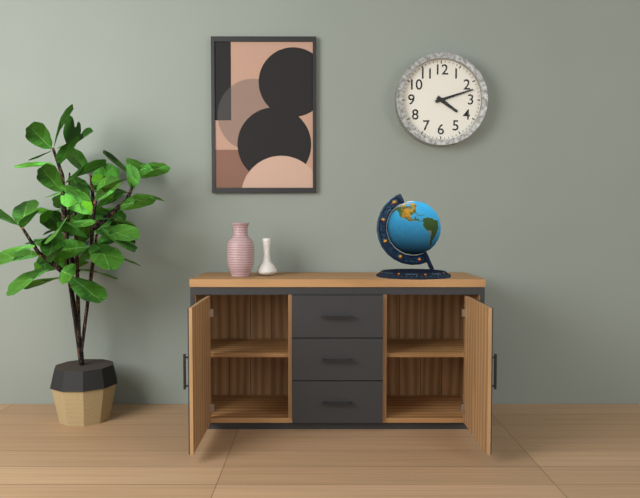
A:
4,12
